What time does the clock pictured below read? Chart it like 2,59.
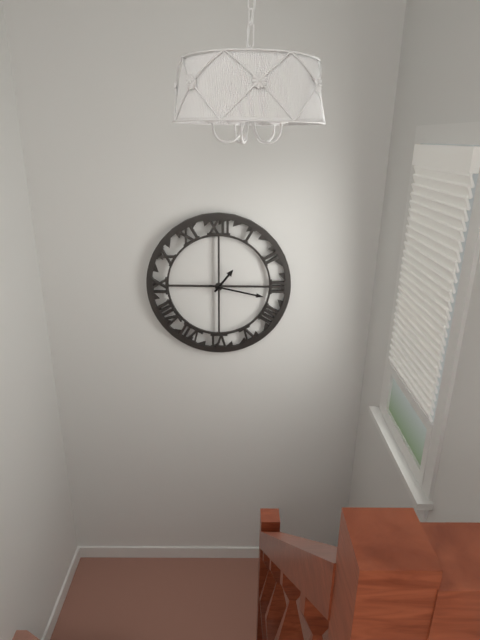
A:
1,17
